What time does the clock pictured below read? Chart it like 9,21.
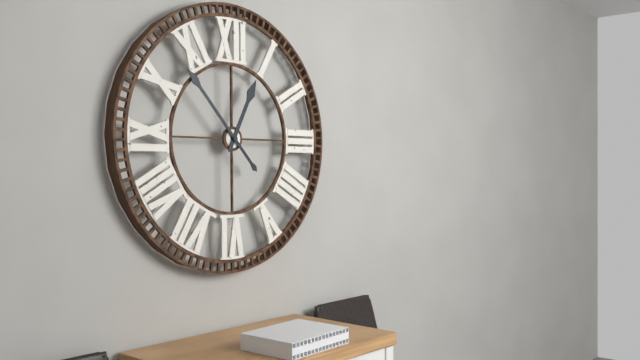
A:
12,53
